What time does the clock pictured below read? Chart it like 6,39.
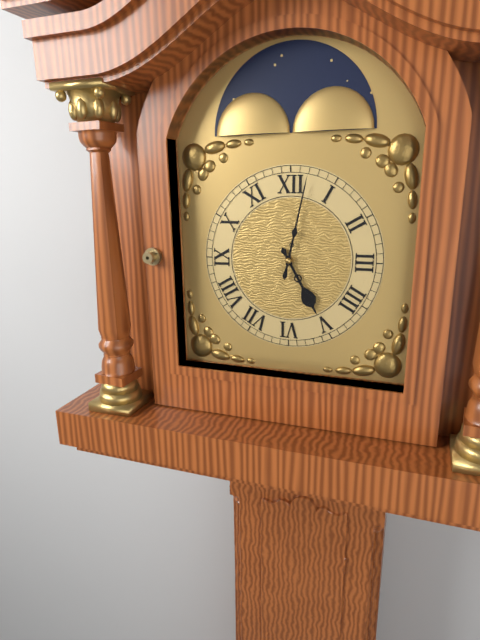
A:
5,02
